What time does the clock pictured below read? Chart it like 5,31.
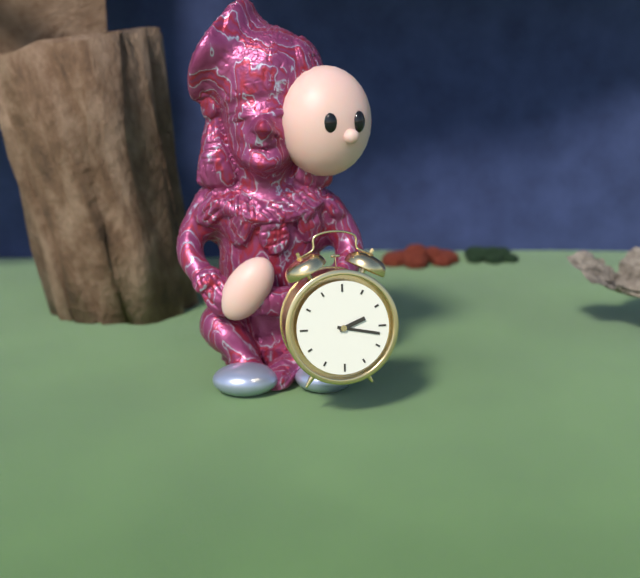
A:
2,17
